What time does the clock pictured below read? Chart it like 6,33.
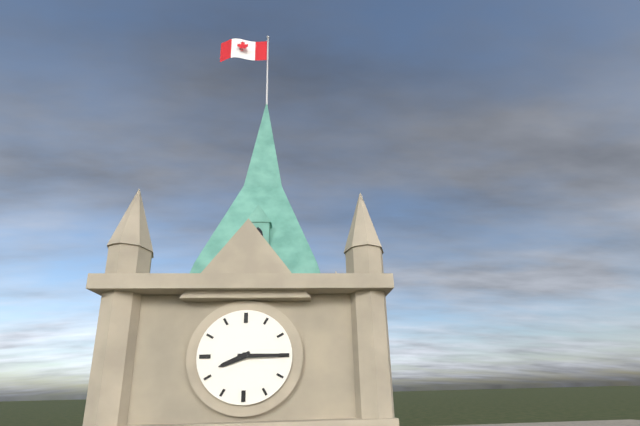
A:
8,15
